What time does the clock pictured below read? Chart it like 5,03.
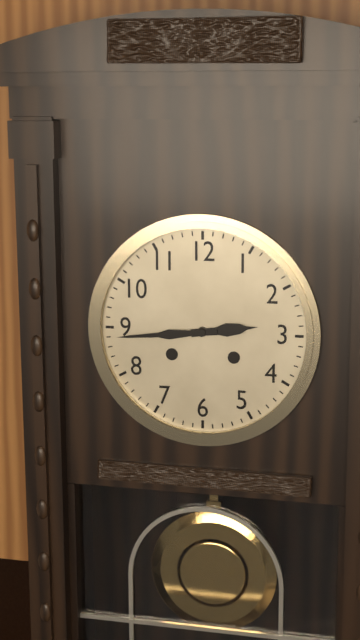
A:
2,44
